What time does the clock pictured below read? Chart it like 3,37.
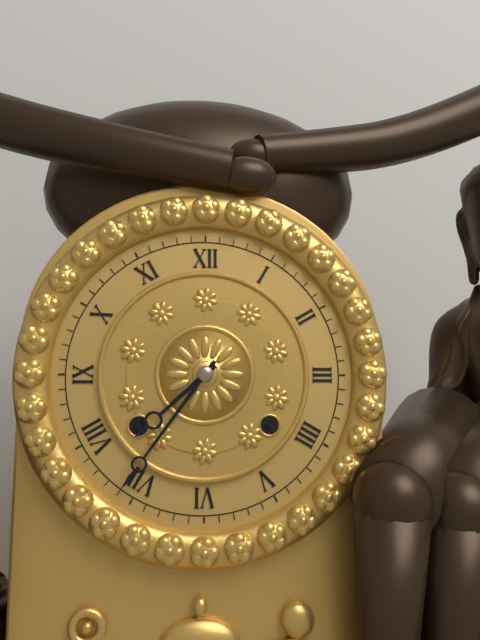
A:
7,36
